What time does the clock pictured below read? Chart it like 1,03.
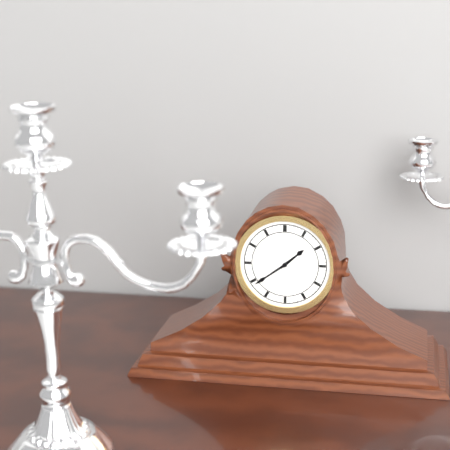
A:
1,39
